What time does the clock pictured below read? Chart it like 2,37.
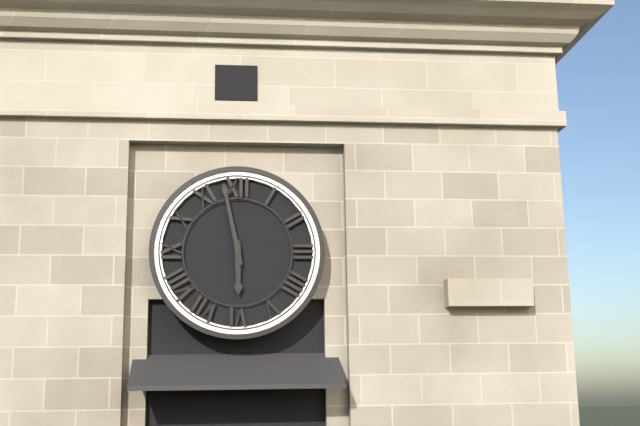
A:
5,58
